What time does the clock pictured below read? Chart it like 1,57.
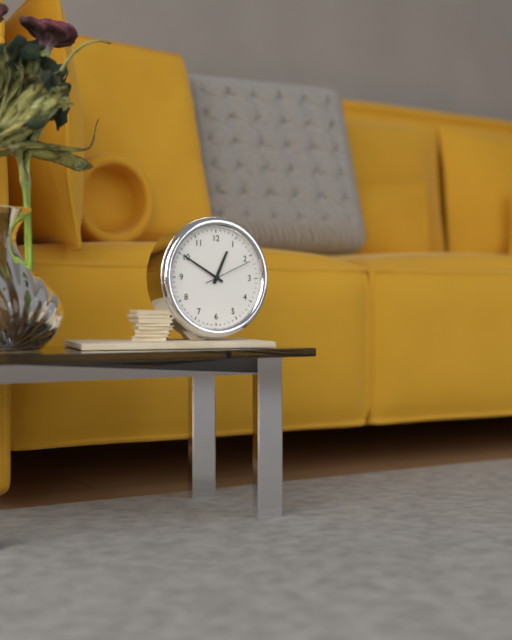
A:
12,50
